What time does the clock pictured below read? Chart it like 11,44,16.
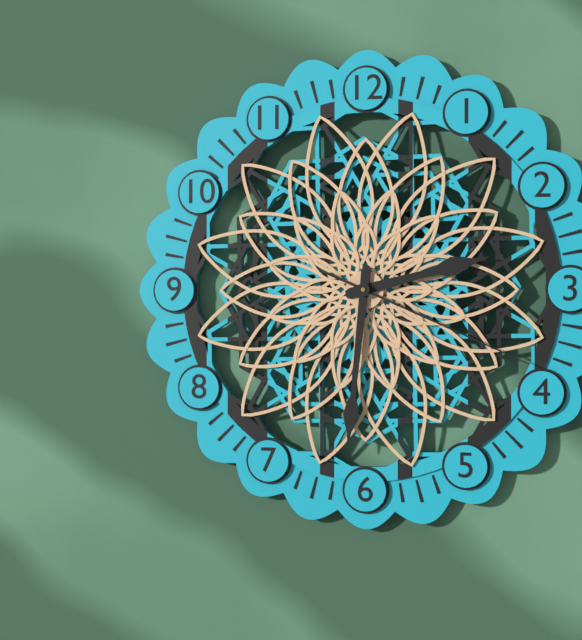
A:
2,31,19
